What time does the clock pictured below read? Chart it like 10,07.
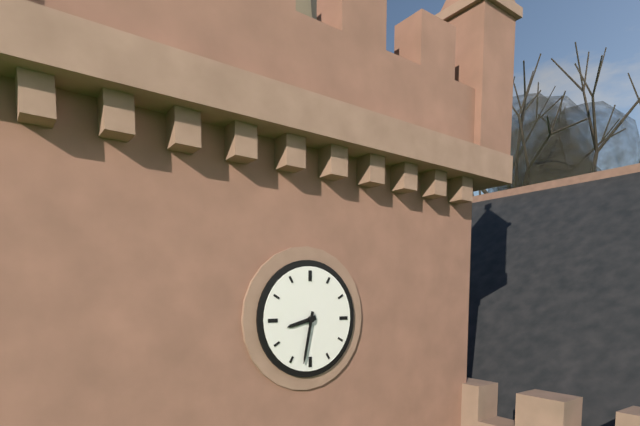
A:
8,32
